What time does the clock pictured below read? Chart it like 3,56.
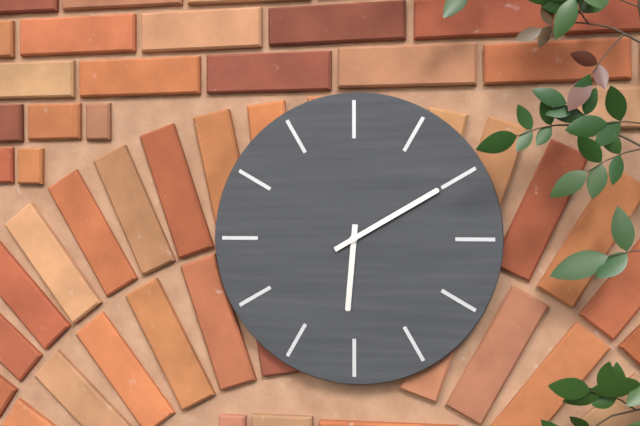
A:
6,10
